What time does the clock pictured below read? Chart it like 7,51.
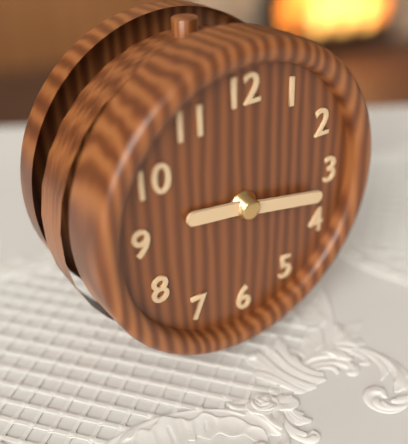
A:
9,17
